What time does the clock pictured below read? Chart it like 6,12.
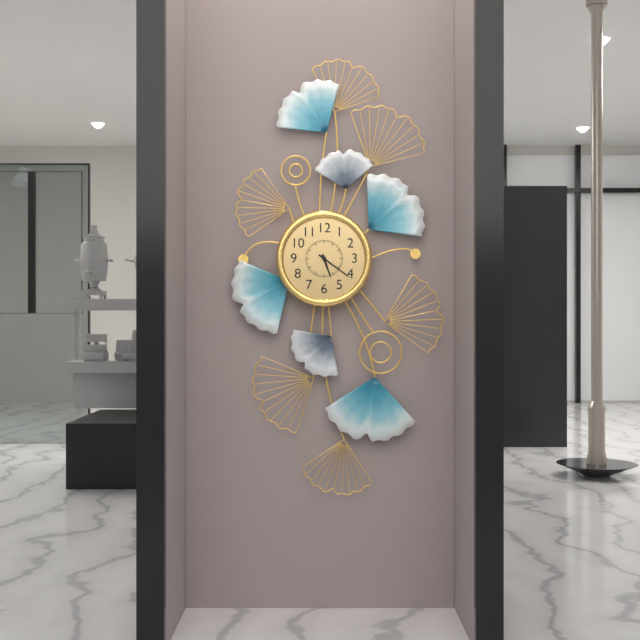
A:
5,21
